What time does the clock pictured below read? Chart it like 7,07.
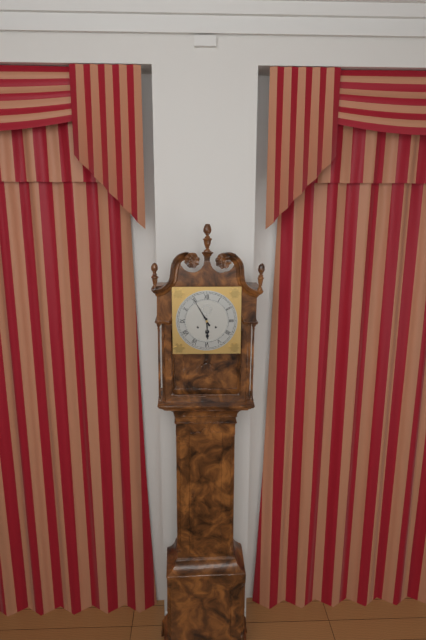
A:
5,55
